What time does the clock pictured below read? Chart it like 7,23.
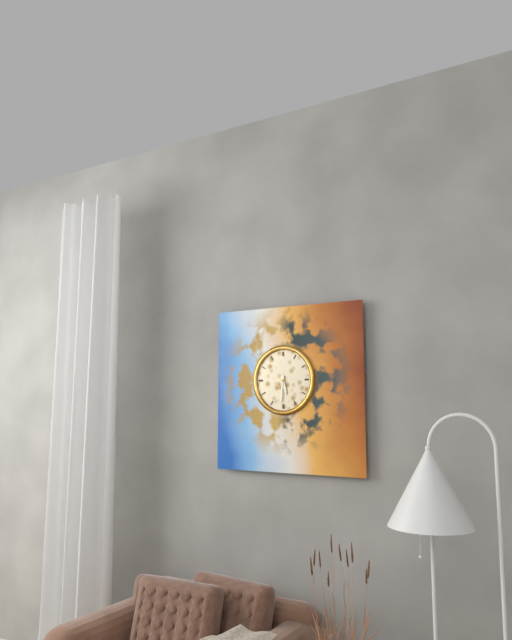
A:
5,31
